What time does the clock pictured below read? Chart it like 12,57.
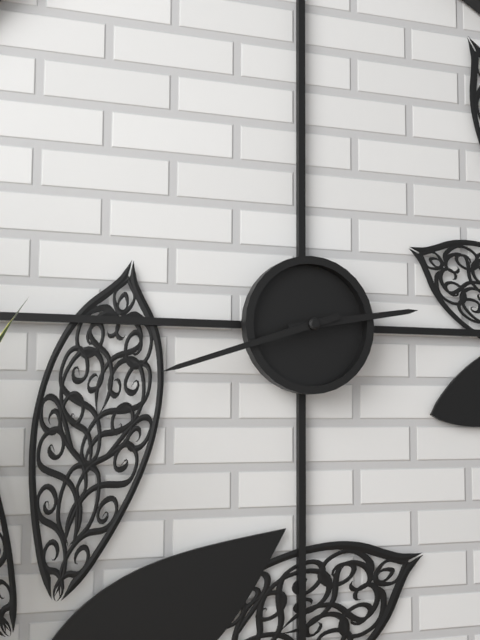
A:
2,42
